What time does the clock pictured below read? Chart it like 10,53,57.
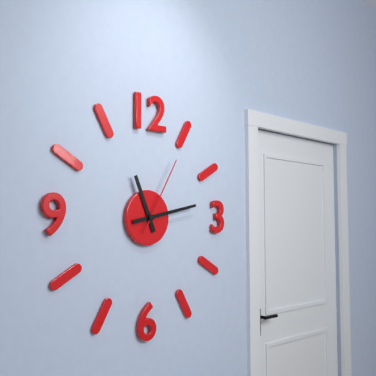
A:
11,13,05
